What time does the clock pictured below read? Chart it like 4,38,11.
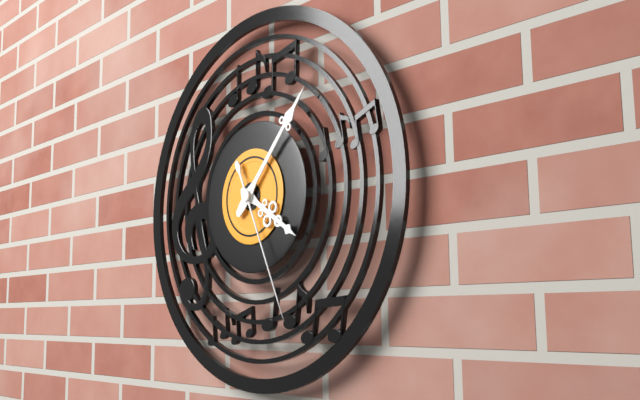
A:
4,07,26
